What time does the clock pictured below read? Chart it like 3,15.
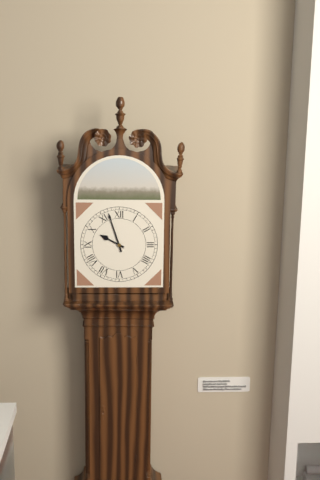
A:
9,57
